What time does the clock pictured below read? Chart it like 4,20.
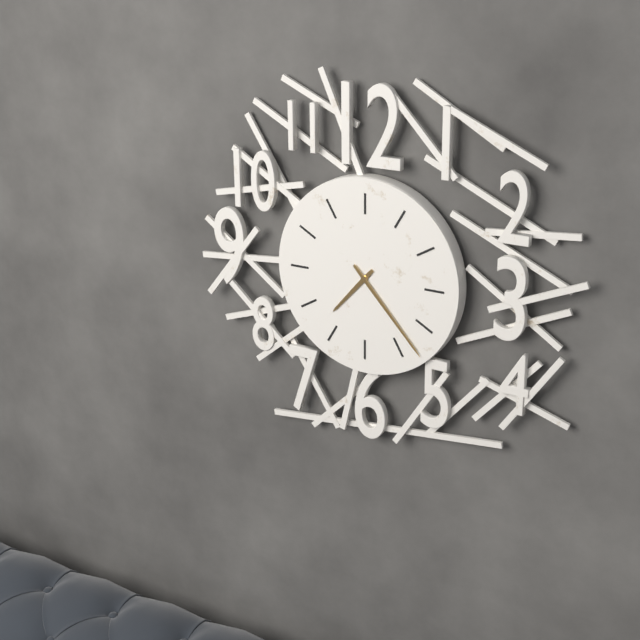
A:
7,23
